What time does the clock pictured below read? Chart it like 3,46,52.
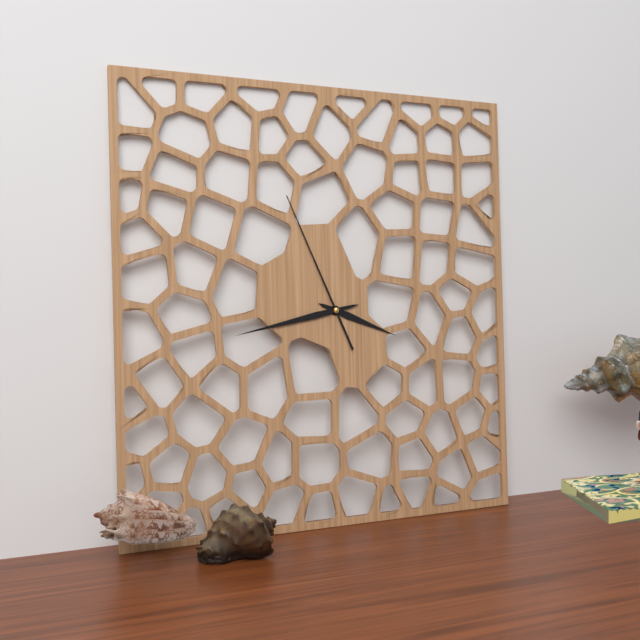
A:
3,43,56
